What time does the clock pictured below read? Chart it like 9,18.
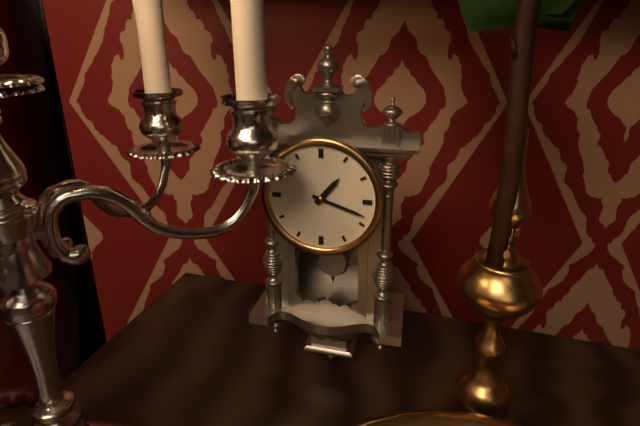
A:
1,18
